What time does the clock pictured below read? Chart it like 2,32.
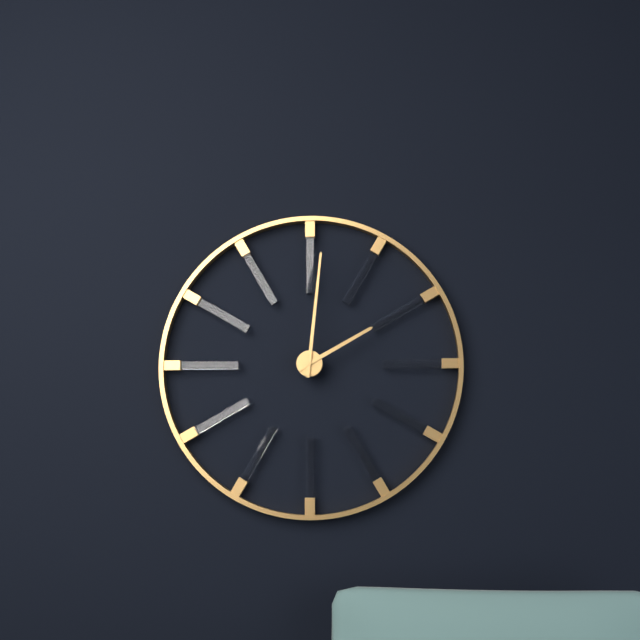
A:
2,01
